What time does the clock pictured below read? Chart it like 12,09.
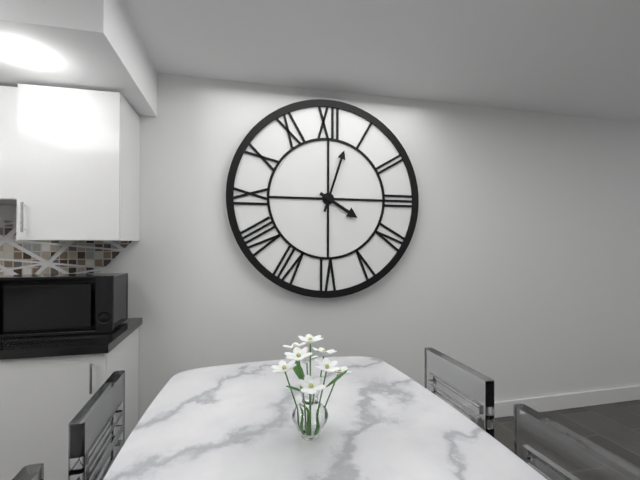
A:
4,03
